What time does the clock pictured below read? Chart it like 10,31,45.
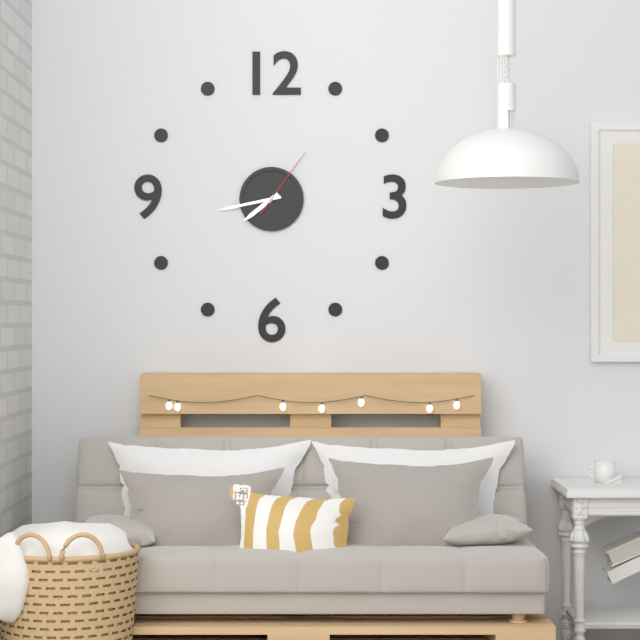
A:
7,43,06
